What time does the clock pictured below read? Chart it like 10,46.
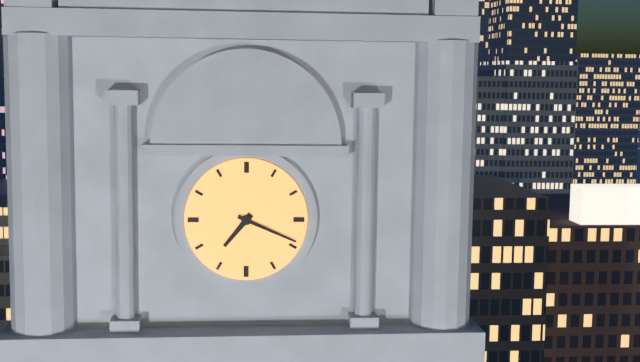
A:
7,19
